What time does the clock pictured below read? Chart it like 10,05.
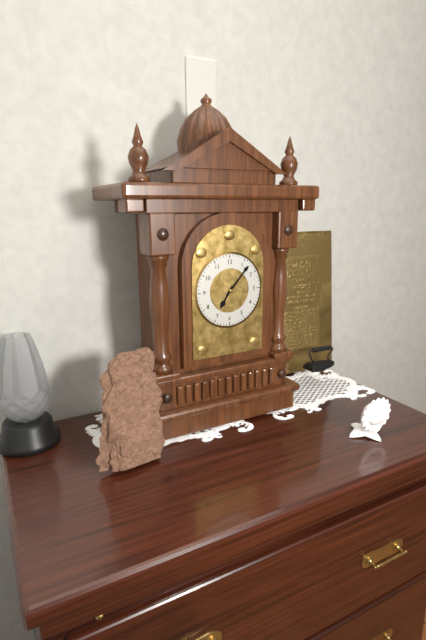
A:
7,07
